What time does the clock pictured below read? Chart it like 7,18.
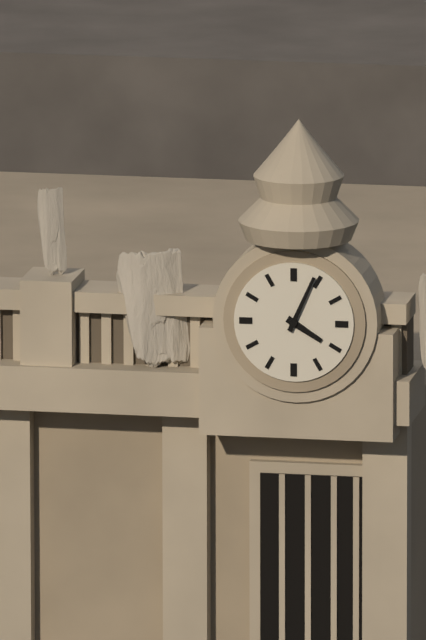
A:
4,04
